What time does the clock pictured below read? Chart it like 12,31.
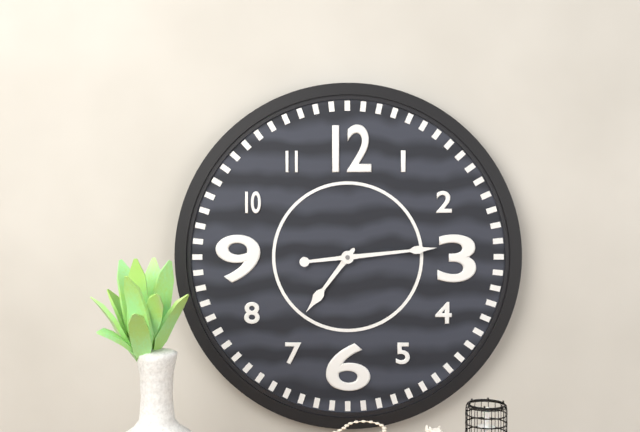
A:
7,14
